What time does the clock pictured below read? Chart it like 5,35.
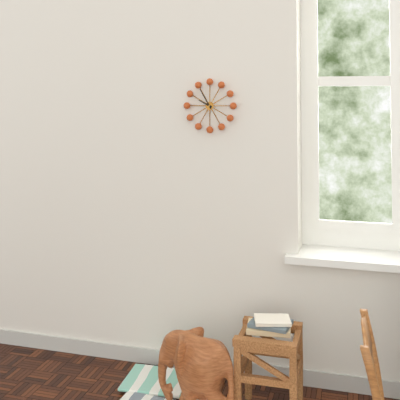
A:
9,55
